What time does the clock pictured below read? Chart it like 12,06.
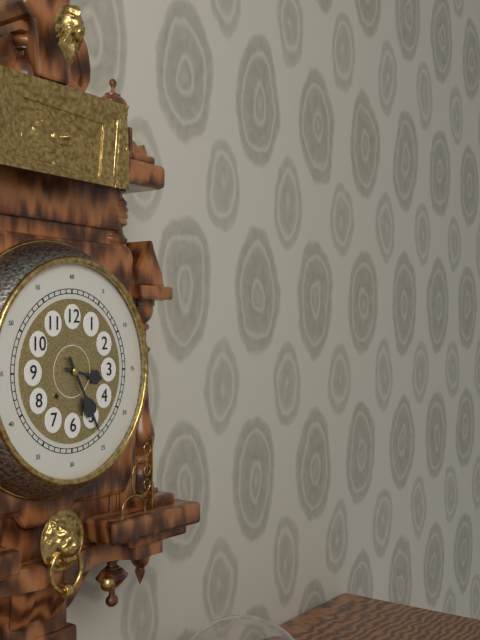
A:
3,25
